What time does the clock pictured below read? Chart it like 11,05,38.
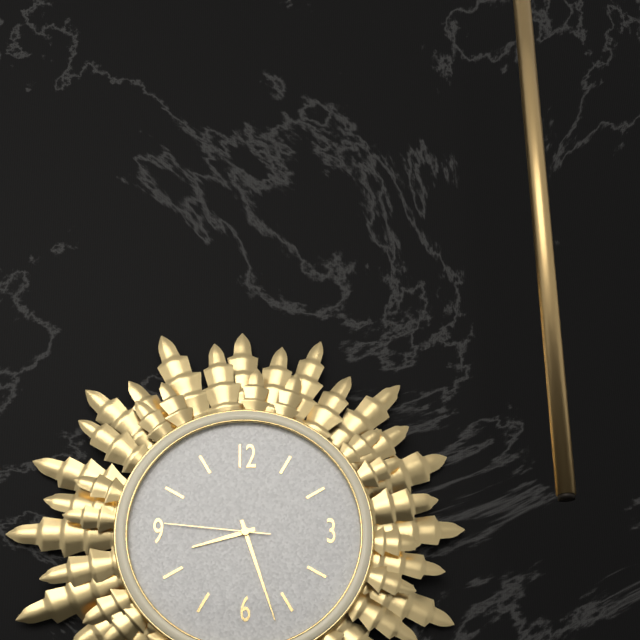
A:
8,27,46
